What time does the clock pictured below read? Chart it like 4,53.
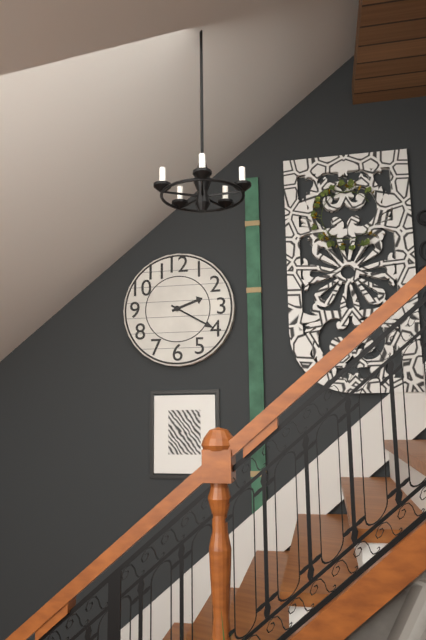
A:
2,20
